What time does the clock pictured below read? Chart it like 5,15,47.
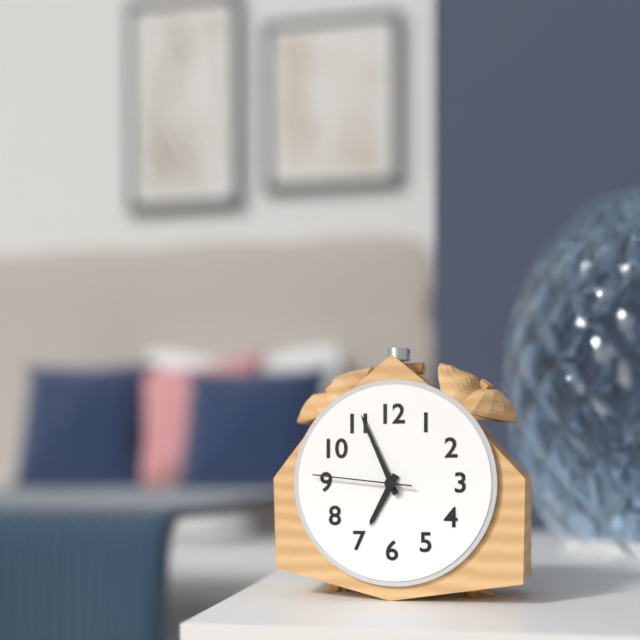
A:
6,56,46
